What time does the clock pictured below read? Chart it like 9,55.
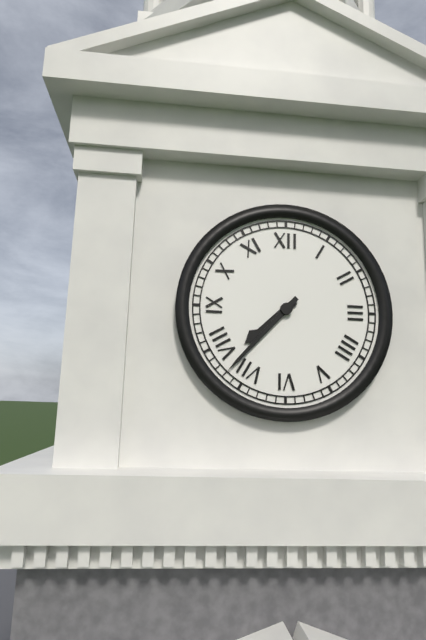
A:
7,37
